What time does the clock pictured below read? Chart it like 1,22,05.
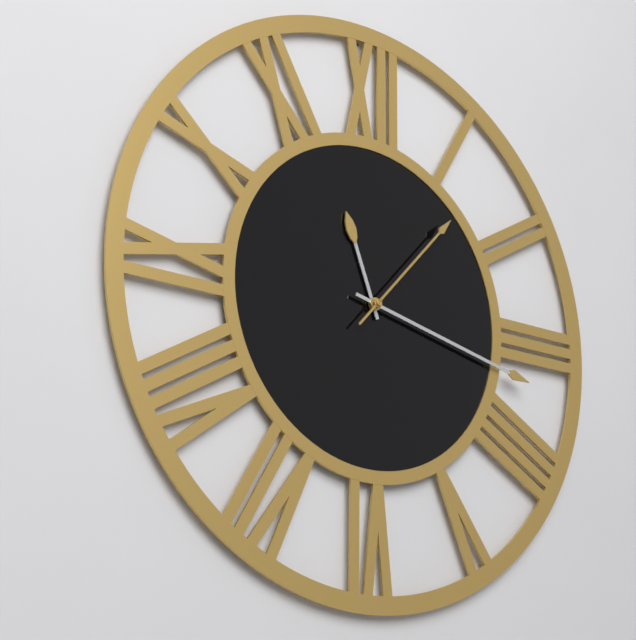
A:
11,17,07
